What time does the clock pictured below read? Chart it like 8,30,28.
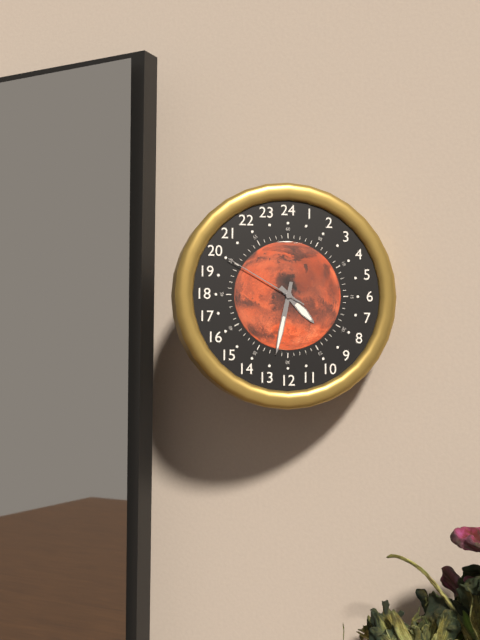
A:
4,32,50
